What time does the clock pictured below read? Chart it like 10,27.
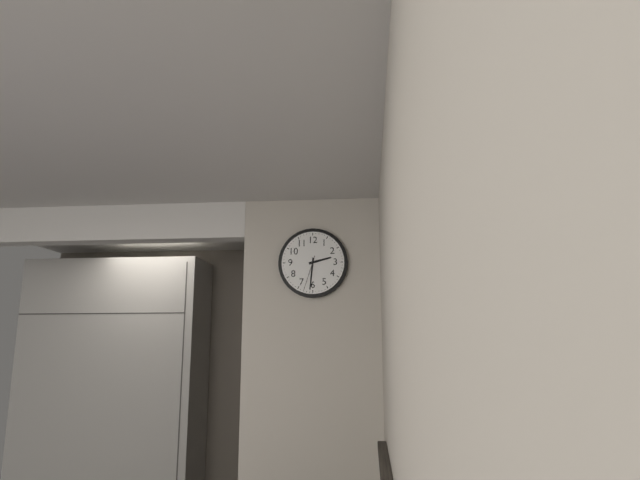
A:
2,31
